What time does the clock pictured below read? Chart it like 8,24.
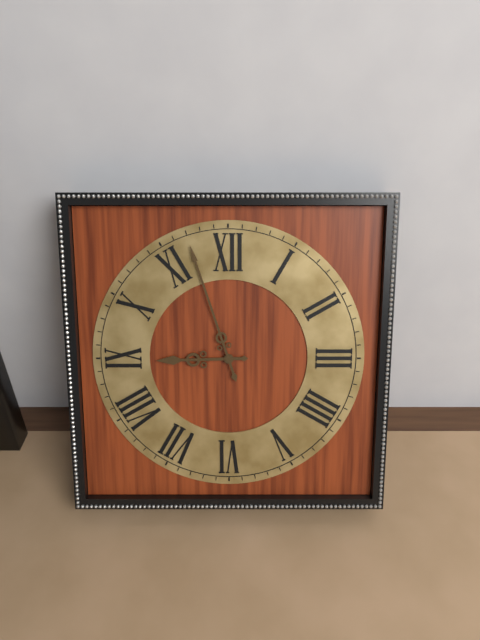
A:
8,57
